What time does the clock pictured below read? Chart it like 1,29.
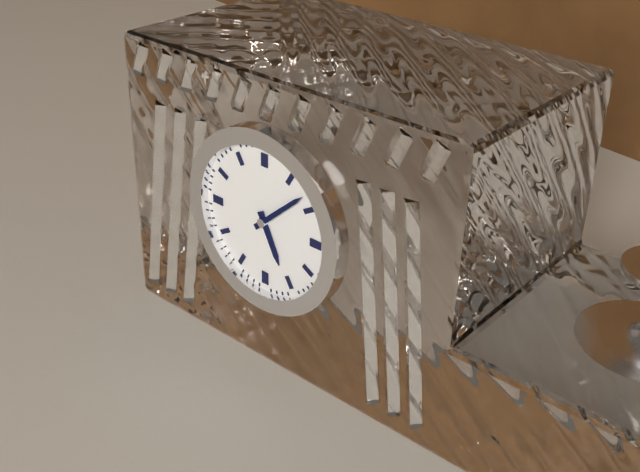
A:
5,08
